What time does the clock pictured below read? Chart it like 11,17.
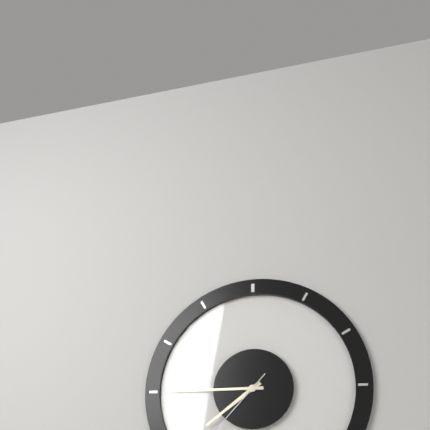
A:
7,45
